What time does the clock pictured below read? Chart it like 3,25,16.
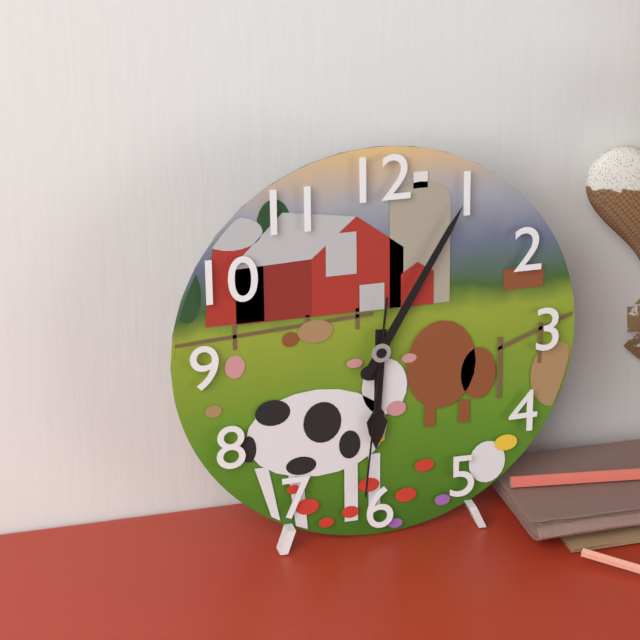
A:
6,05,31
